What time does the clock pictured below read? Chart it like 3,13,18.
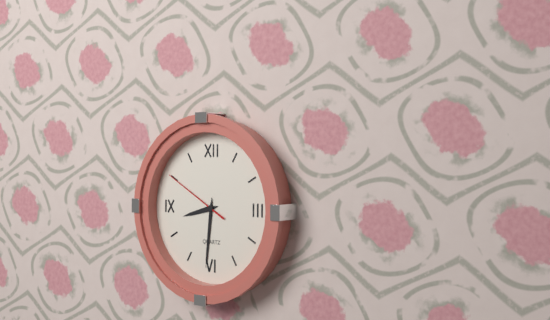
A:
8,31,50
